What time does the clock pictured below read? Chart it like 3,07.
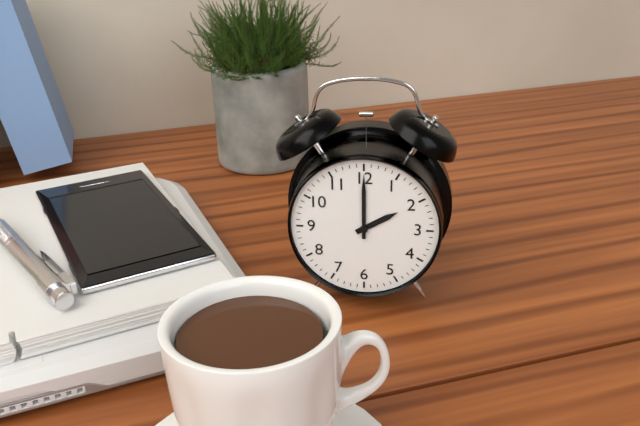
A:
2,00
